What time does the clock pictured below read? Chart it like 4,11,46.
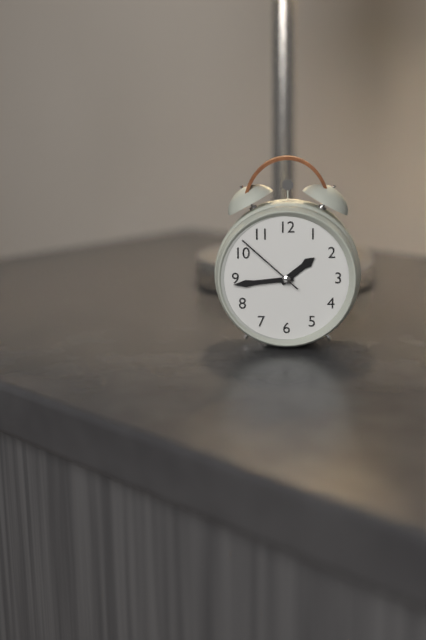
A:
1,44,52
